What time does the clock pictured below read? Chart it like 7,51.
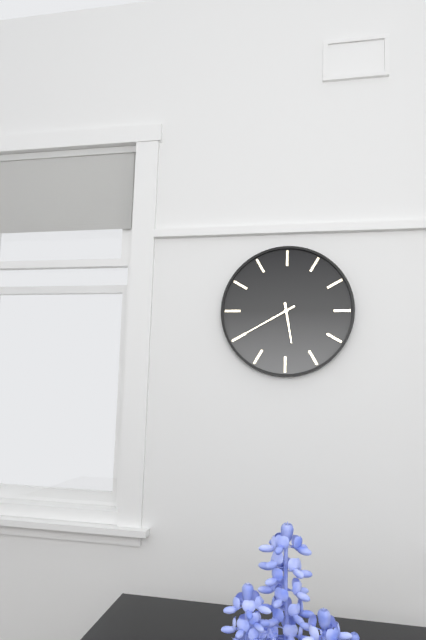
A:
5,40
